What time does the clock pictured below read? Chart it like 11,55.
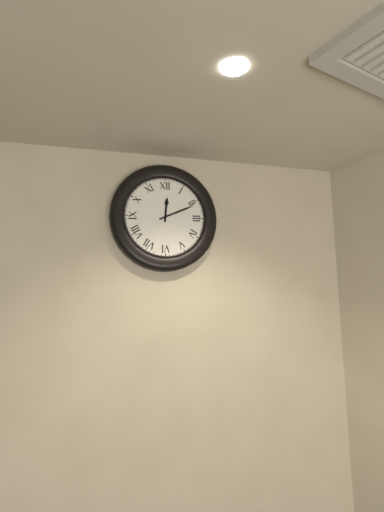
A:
12,11
